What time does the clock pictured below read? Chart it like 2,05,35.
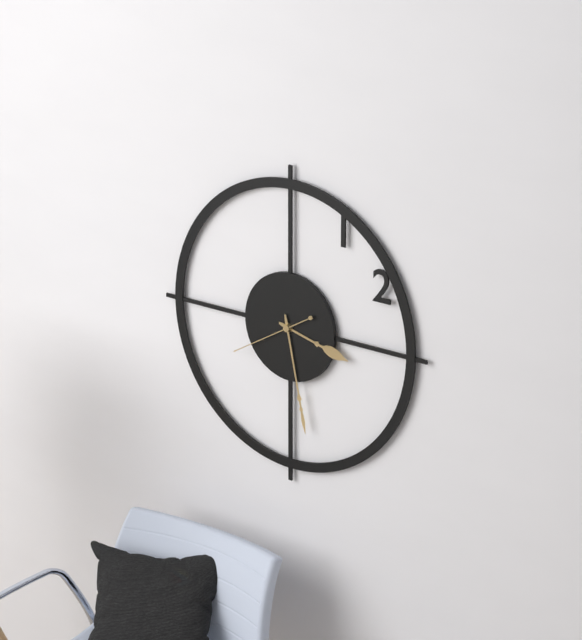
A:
3,28,40
